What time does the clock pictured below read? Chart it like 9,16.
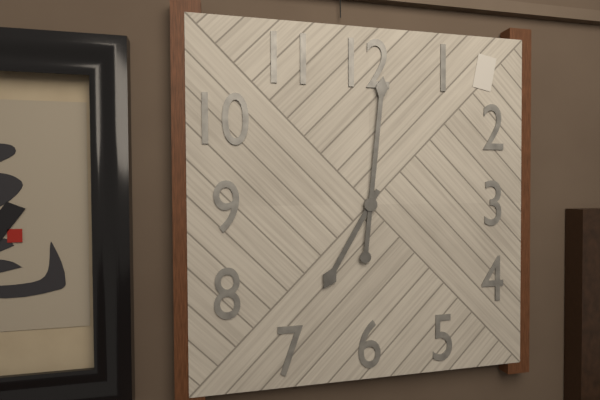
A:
7,01
